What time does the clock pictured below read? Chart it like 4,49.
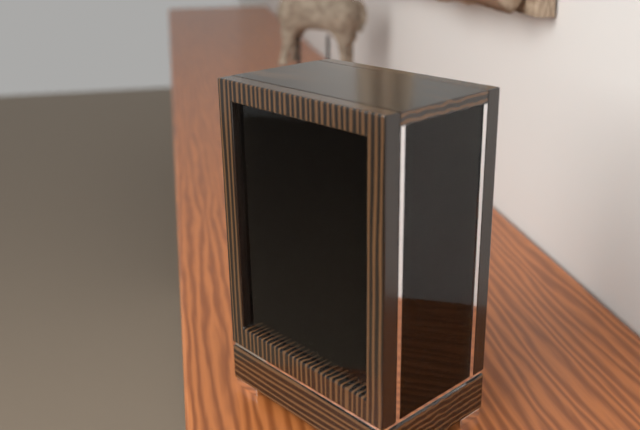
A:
11,54
